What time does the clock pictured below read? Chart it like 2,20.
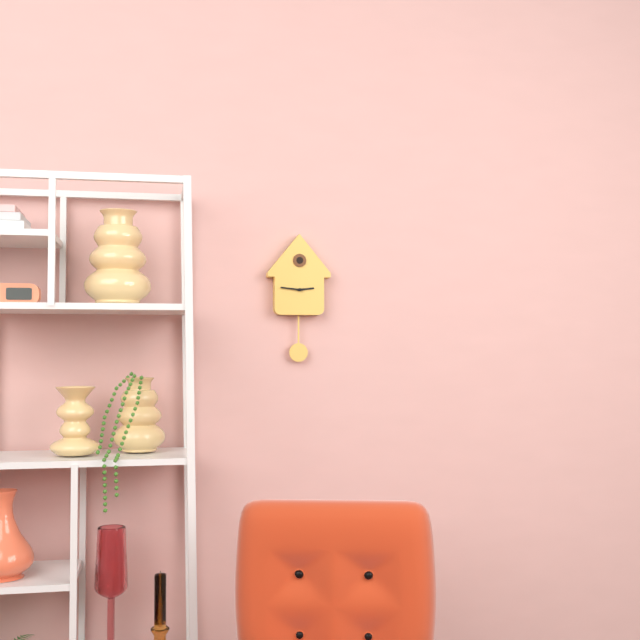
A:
2,46
